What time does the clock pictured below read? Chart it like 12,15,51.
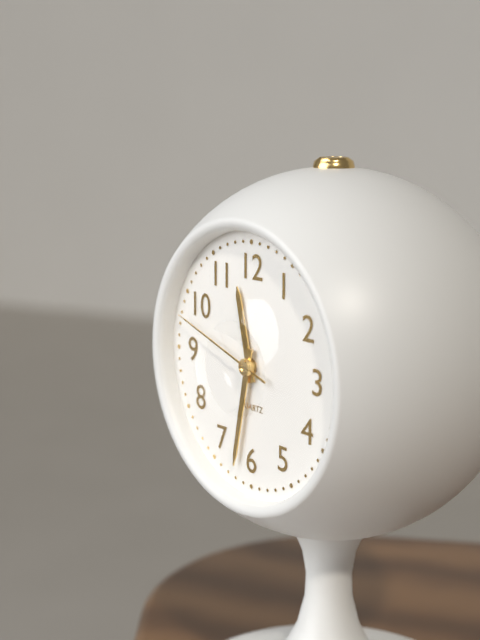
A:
11,32,48
